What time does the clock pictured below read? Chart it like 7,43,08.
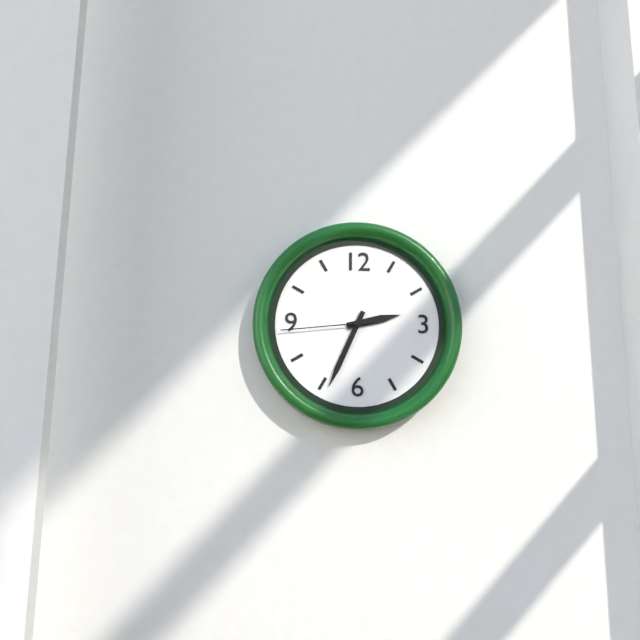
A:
2,34,44
